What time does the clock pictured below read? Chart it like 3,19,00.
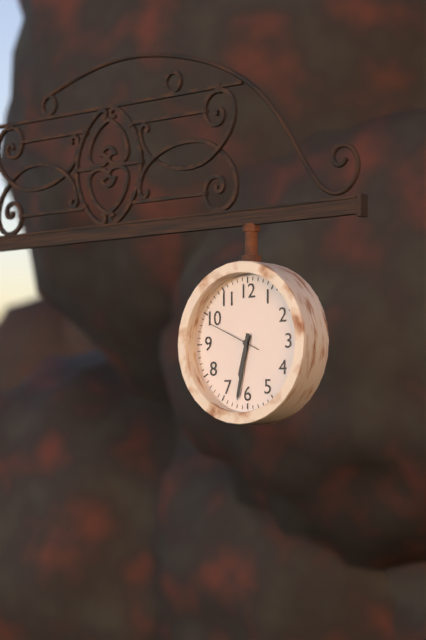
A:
6,32,49
